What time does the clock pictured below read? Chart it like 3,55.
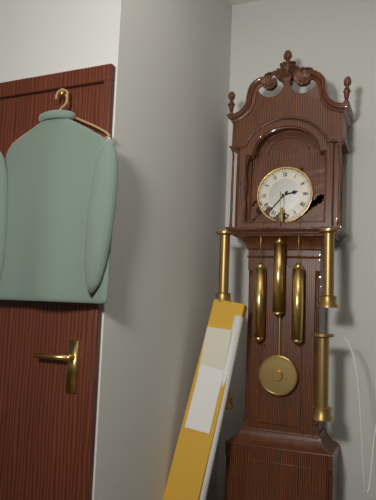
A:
2,37
